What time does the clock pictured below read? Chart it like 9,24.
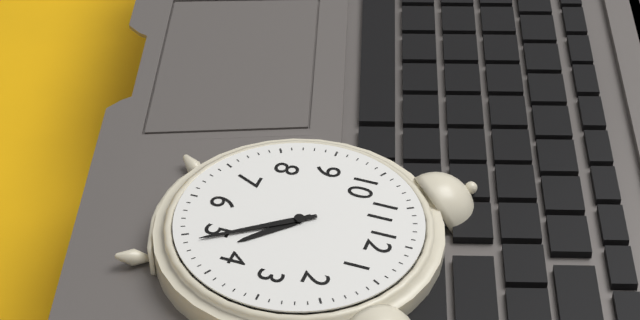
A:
4,24
